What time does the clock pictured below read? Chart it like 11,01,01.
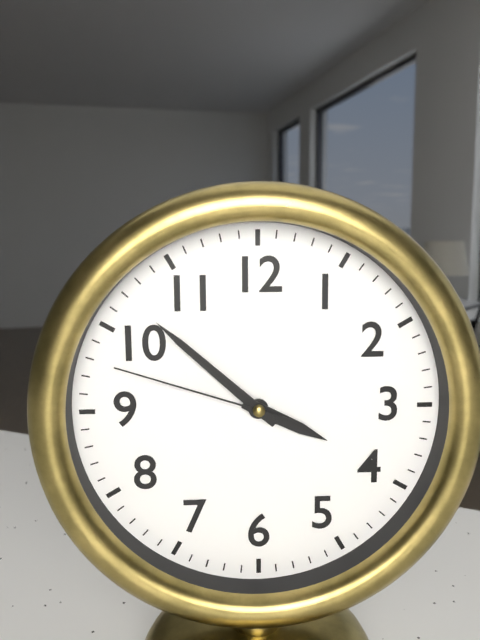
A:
3,52,48
